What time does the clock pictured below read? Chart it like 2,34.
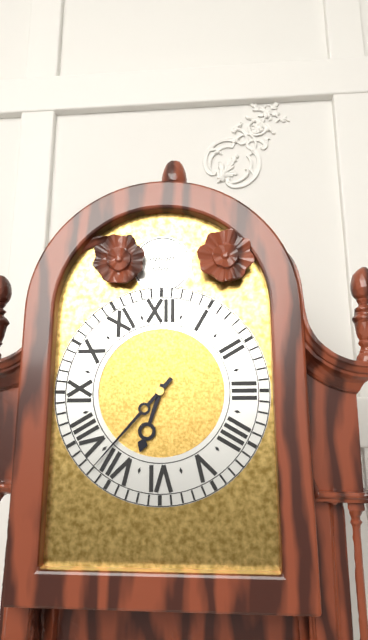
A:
6,37
